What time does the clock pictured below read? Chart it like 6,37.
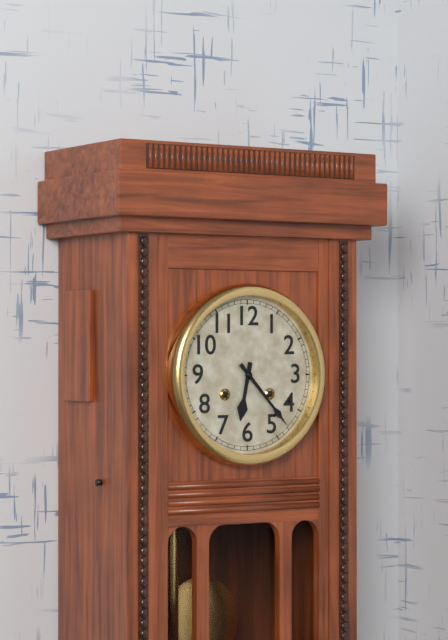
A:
6,23
